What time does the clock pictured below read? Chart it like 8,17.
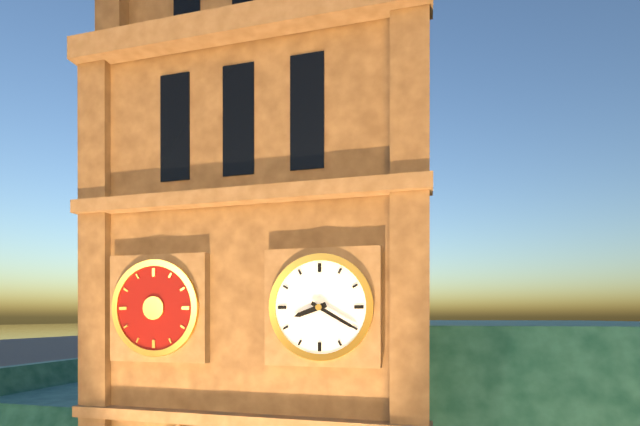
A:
8,20
